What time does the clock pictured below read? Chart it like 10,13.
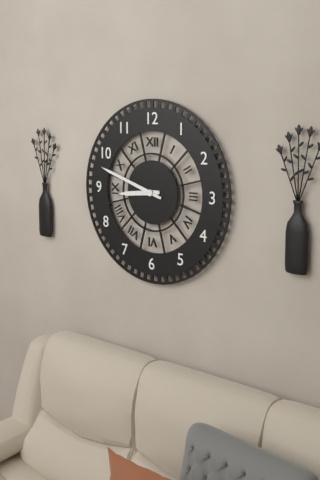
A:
8,48
